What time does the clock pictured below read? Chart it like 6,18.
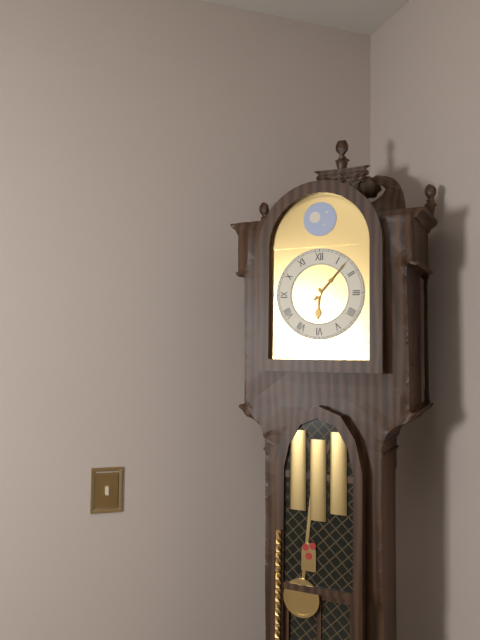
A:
6,07
